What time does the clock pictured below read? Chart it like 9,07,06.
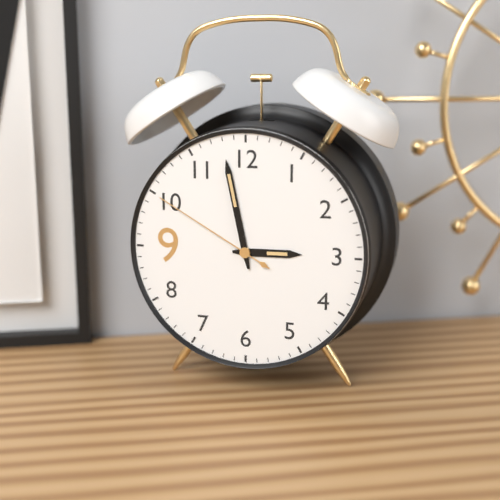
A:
2,58,50
